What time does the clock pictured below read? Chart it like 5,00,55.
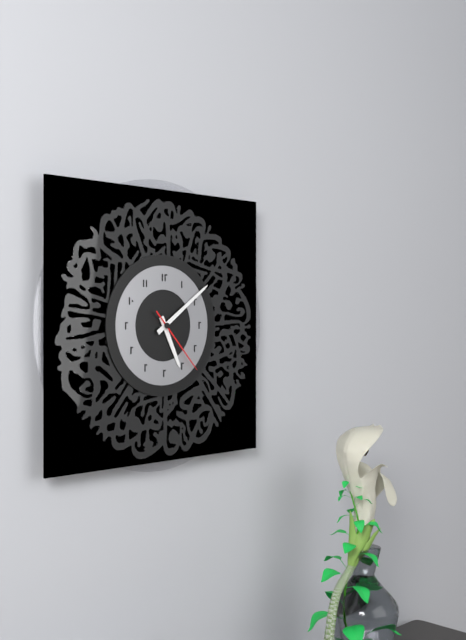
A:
5,09,23
